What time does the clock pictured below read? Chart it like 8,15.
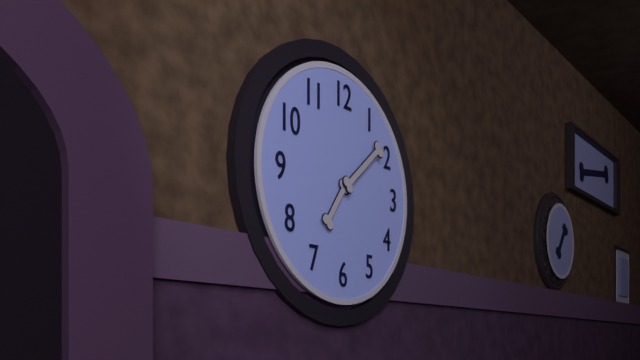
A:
7,08
